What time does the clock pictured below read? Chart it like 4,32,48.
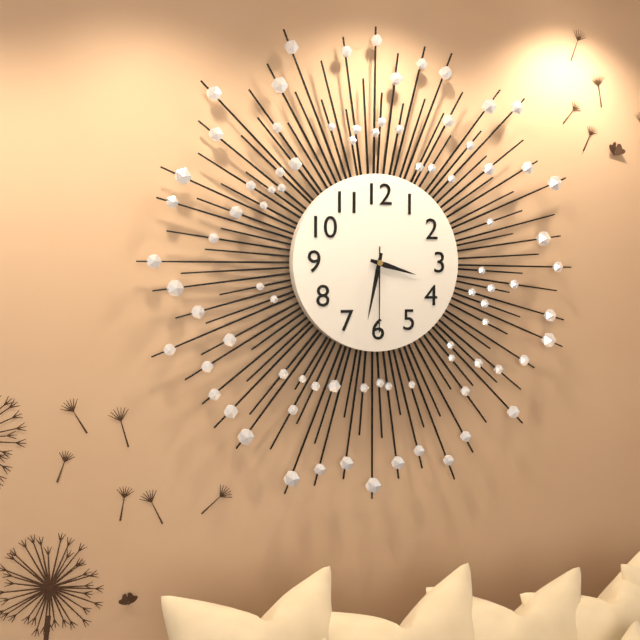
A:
3,32,30
